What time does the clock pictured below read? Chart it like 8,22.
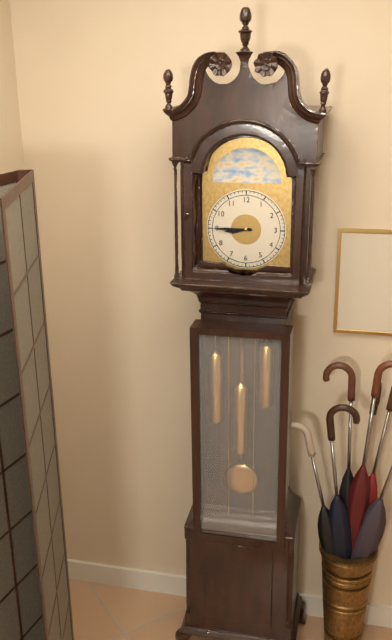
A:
8,45
